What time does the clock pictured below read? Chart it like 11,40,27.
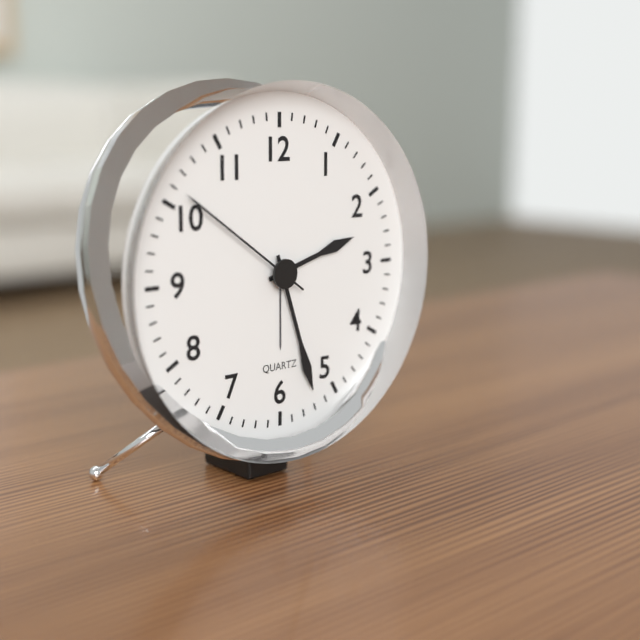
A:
2,27,51
